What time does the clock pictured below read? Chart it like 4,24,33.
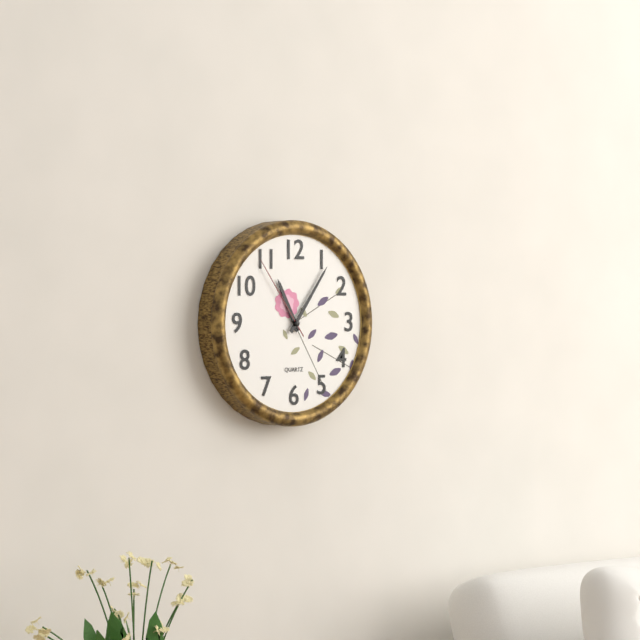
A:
11,06,54
